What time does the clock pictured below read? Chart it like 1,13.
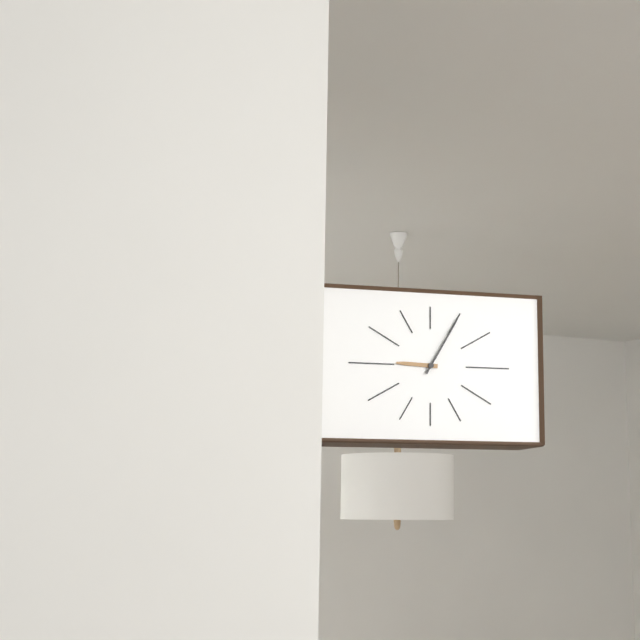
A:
9,05
